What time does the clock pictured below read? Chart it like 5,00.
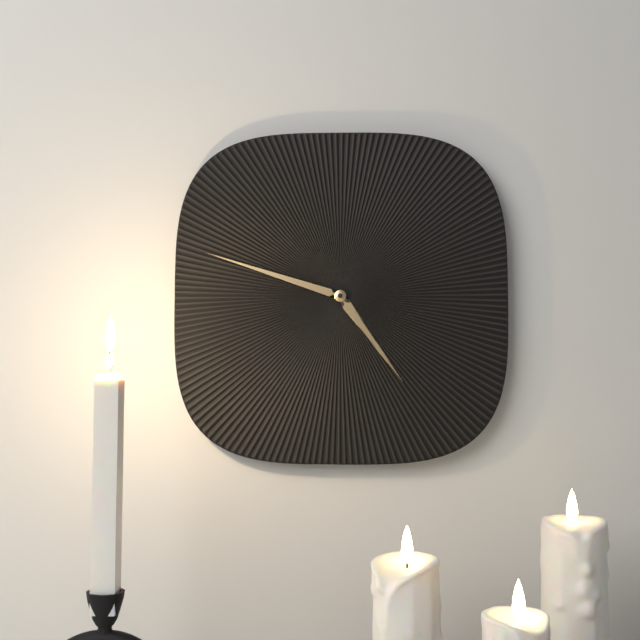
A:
4,48
